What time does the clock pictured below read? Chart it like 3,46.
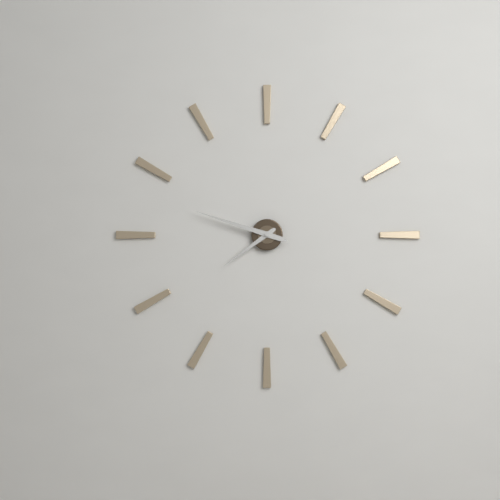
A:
7,48
